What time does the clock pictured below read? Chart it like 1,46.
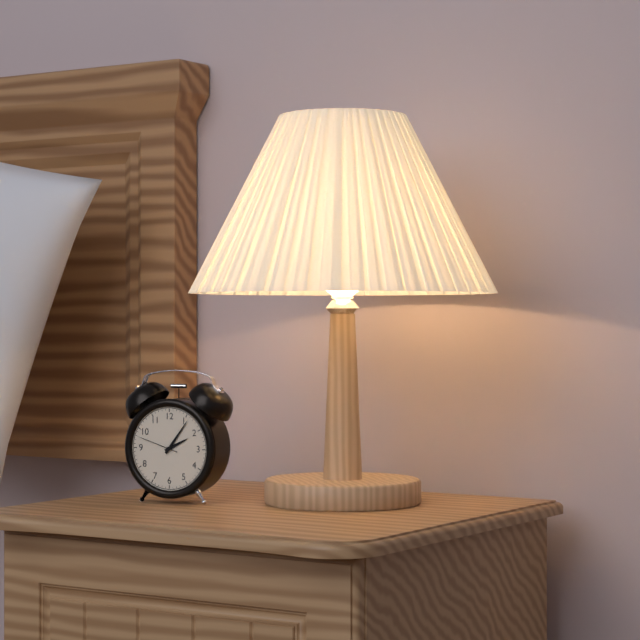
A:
2,06
